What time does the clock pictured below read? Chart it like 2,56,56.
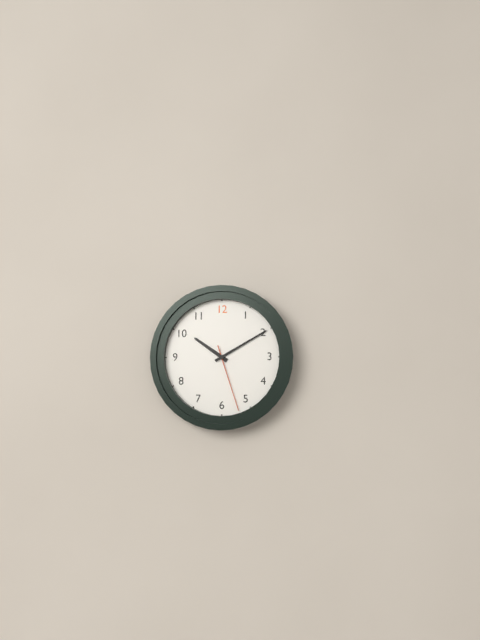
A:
10,10,27
